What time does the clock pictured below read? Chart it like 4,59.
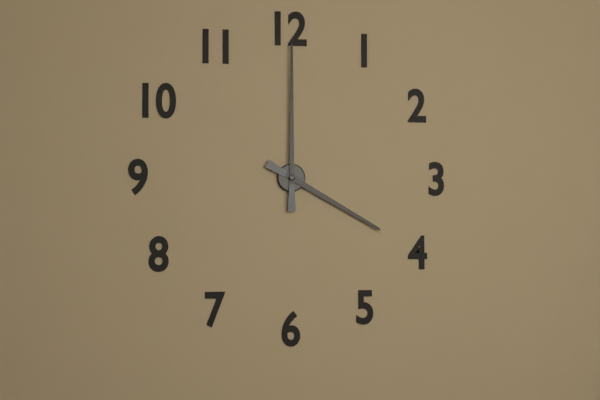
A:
4,00
